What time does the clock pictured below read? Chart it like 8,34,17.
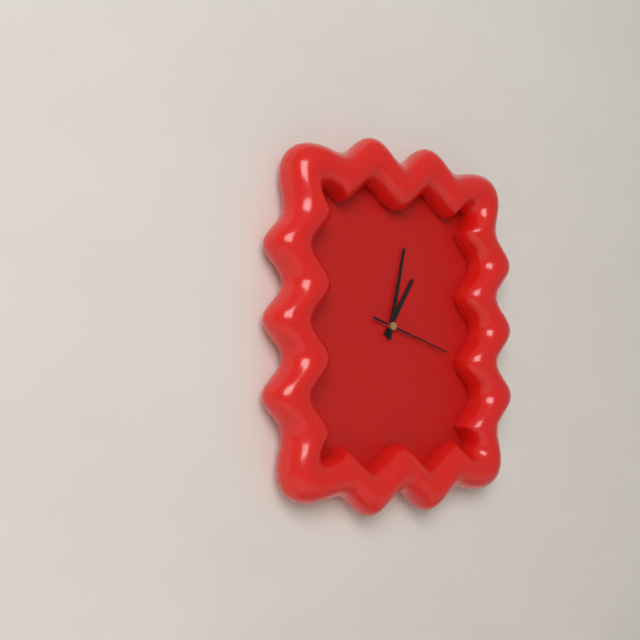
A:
1,02,18
